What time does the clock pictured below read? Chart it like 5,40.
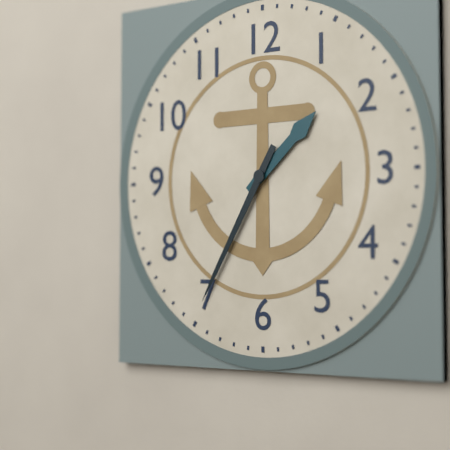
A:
1,35
